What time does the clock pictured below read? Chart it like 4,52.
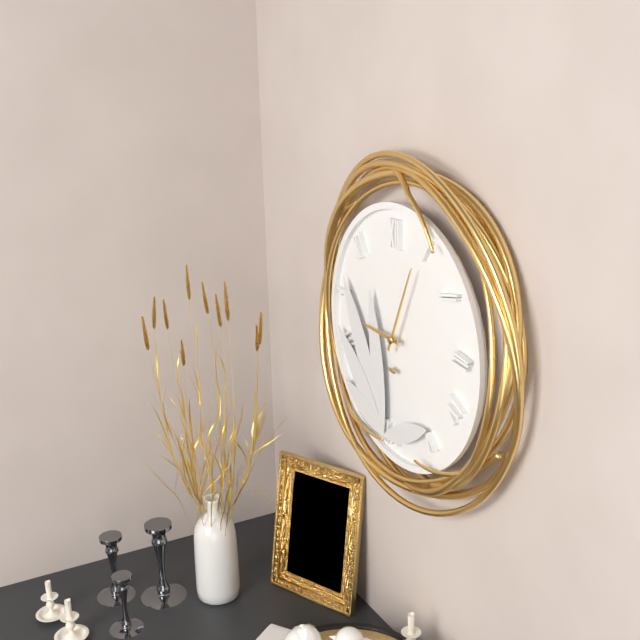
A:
9,04
